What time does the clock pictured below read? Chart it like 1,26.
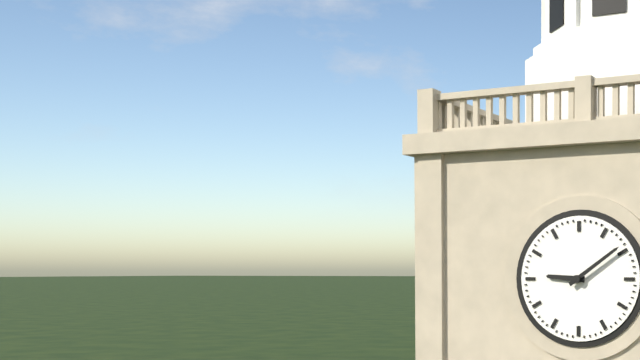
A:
9,09
